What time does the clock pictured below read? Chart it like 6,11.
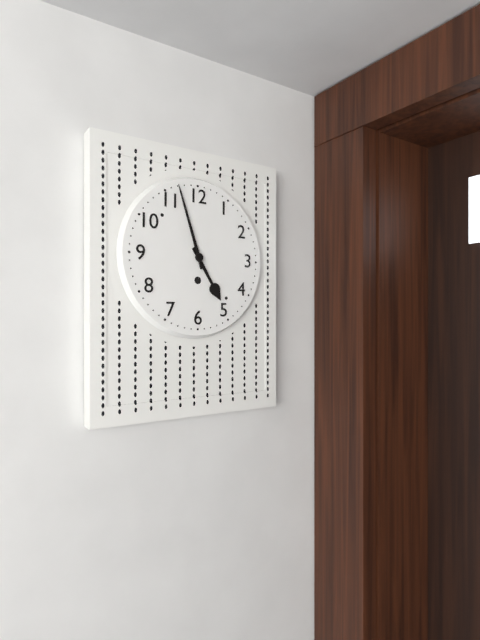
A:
4,57
